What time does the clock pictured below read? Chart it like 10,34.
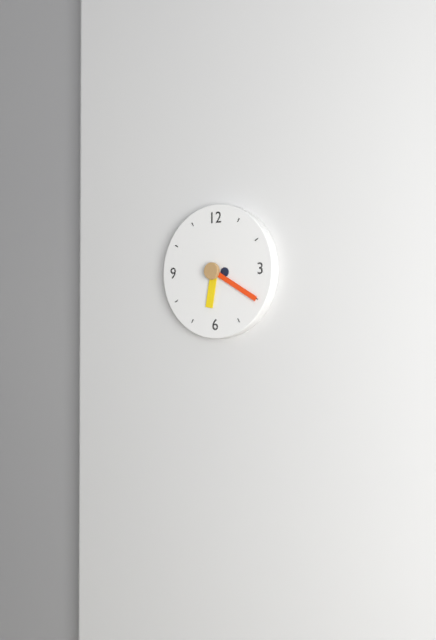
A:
6,20
